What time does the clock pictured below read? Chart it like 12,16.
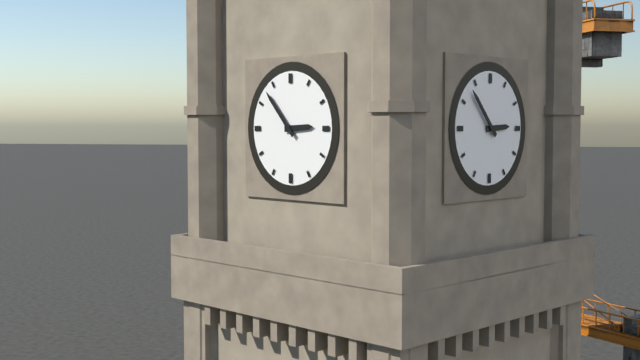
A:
2,53
